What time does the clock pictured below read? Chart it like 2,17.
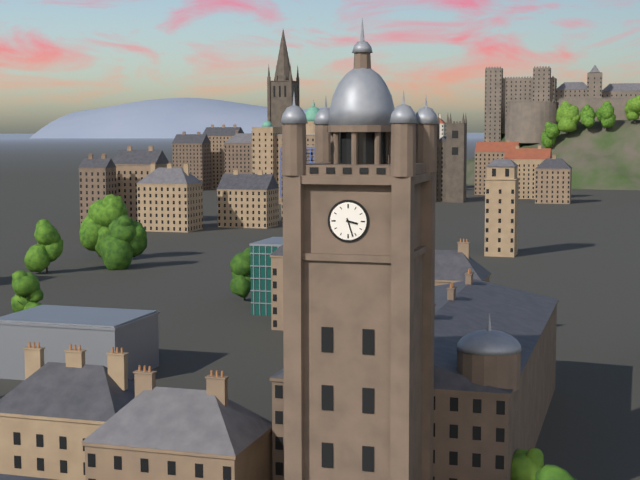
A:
3,27
